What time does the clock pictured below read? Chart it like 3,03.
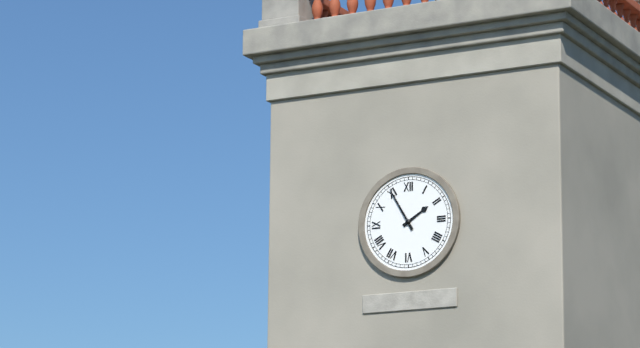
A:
1,55
